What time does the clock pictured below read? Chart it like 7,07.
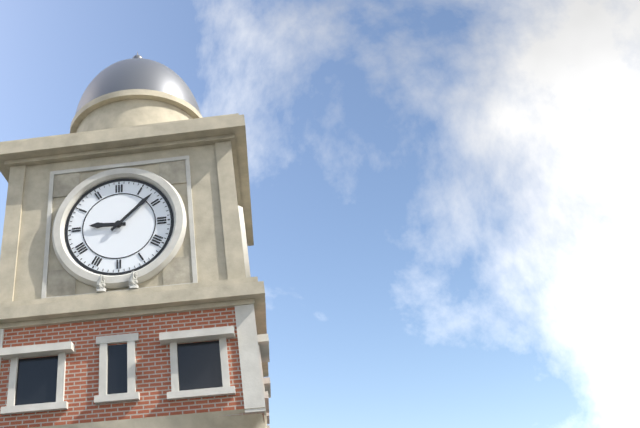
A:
9,08
